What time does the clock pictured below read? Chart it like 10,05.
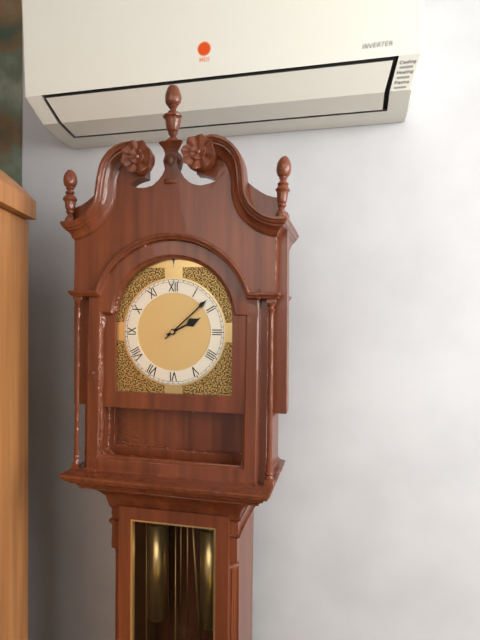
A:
2,08
